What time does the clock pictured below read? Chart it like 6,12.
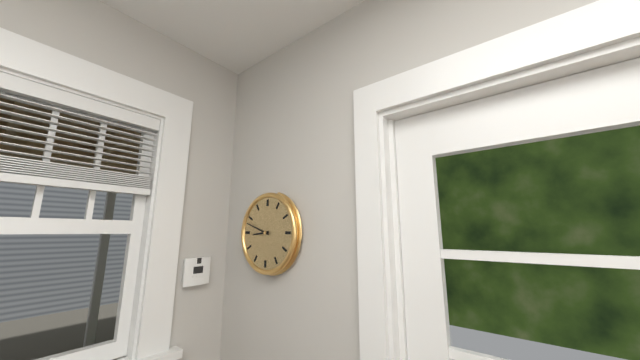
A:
8,48
